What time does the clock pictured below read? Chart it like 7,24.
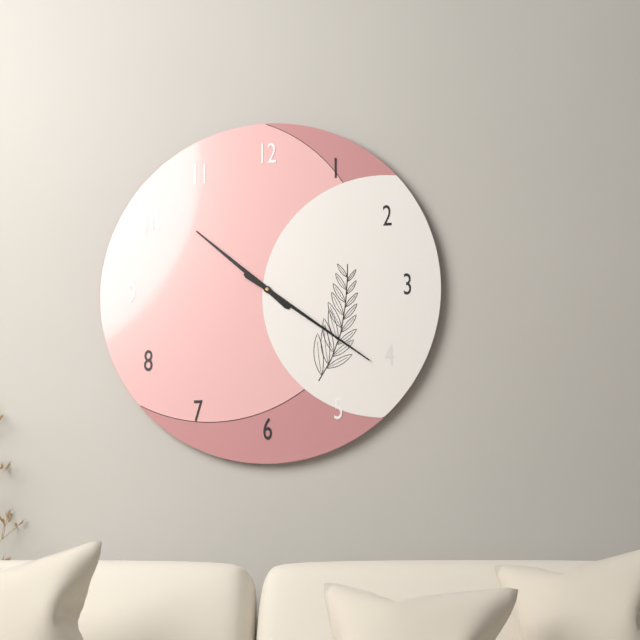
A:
10,21
